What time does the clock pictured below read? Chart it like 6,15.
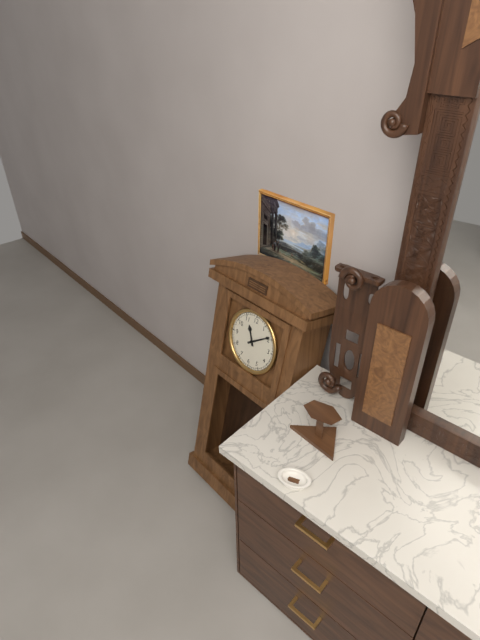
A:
11,09
